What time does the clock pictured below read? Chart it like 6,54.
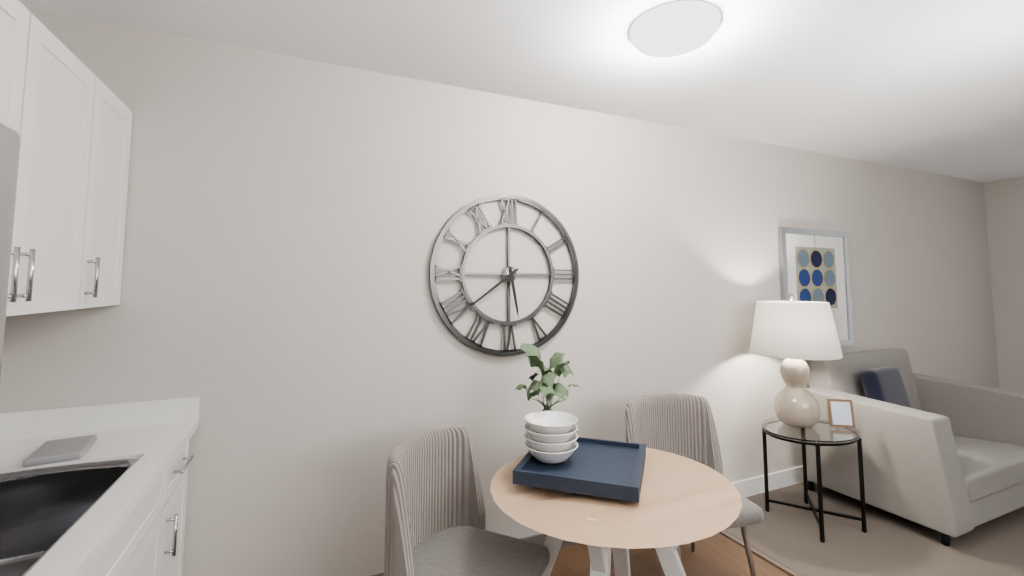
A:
5,39
